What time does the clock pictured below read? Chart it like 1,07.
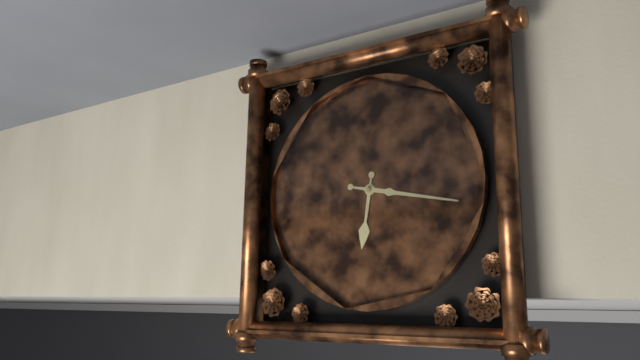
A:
6,17
